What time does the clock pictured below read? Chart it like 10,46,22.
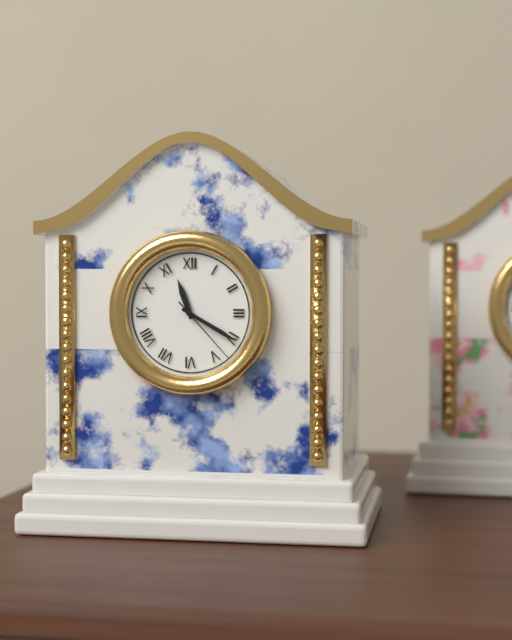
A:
11,20,23
